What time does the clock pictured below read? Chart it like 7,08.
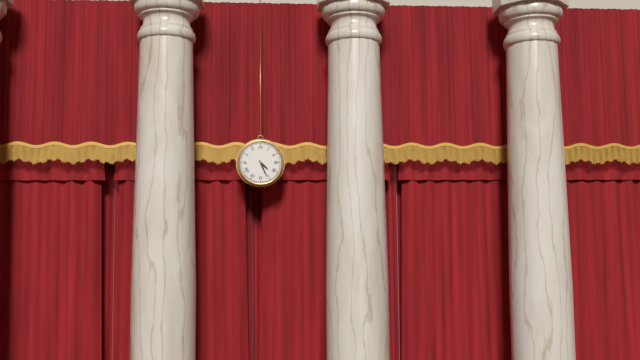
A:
4,26
